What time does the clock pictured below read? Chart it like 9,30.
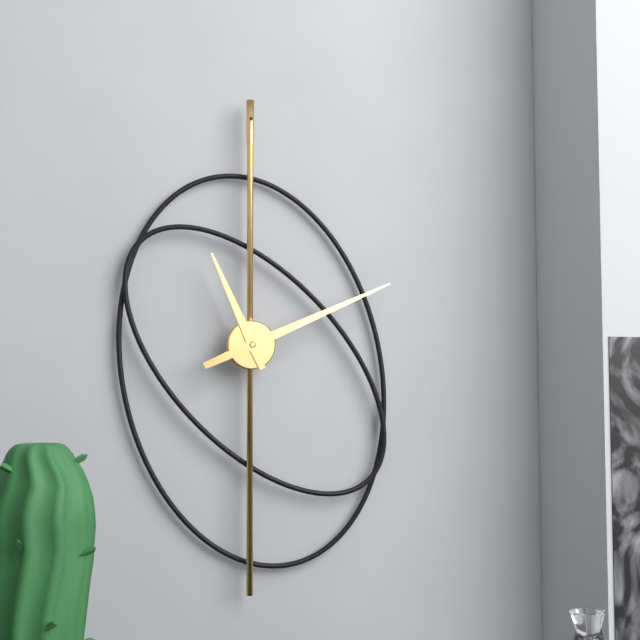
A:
11,11
